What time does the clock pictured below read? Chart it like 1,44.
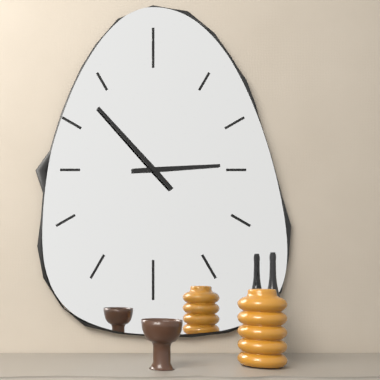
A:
2,53
